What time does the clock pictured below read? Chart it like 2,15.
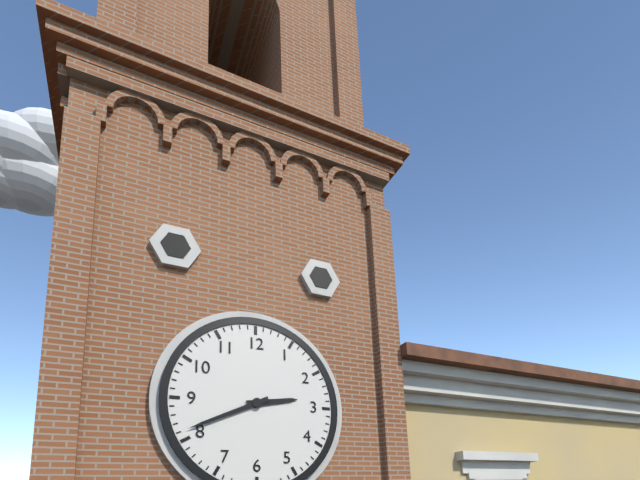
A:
2,41
